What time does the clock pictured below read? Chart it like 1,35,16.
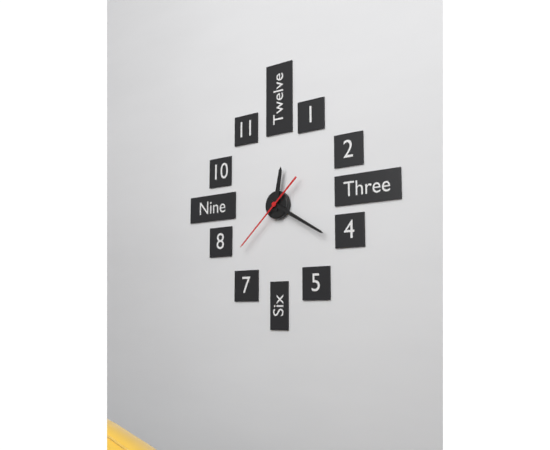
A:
12,20,38
